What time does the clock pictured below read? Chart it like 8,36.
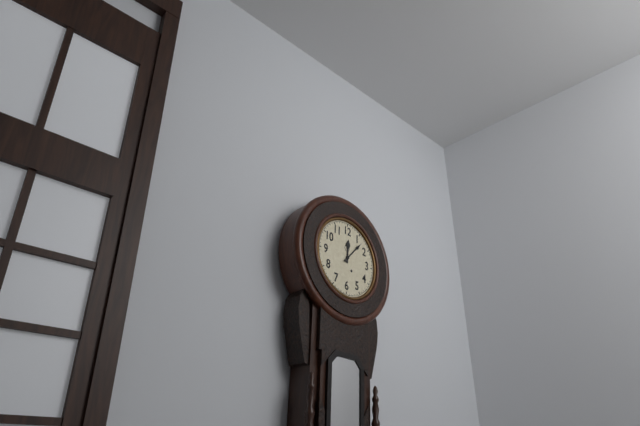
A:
12,07
